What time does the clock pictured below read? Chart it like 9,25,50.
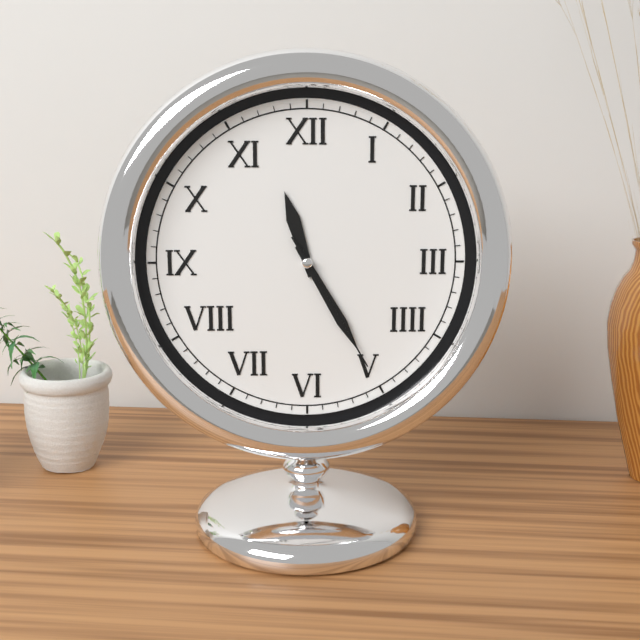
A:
11,25,25
